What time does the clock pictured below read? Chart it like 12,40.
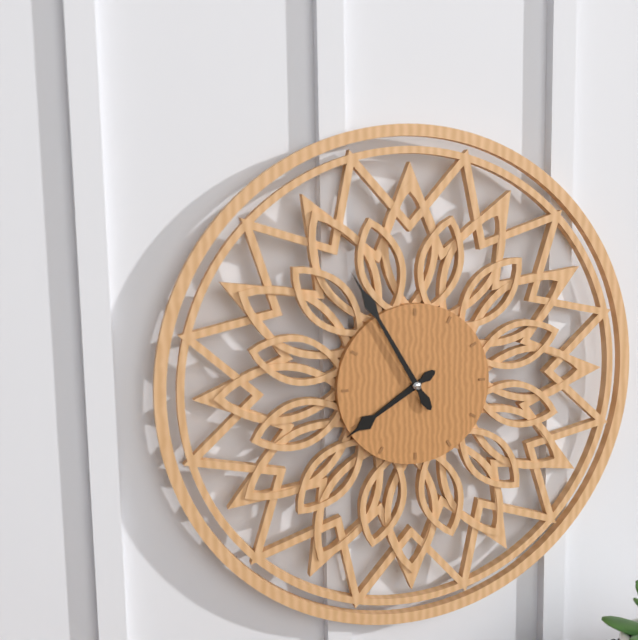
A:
7,55
